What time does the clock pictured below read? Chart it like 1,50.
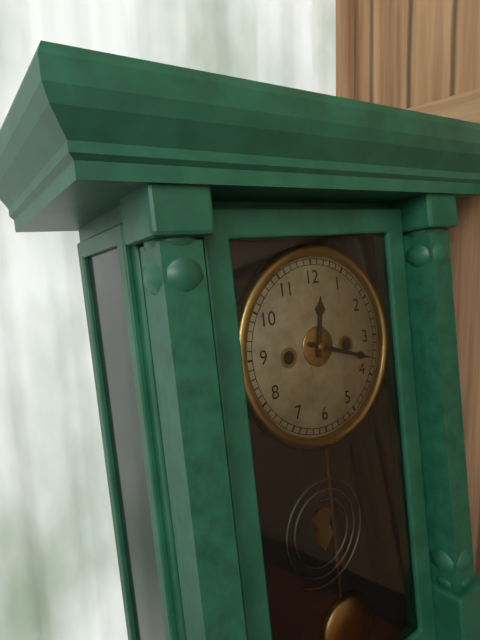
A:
12,18
